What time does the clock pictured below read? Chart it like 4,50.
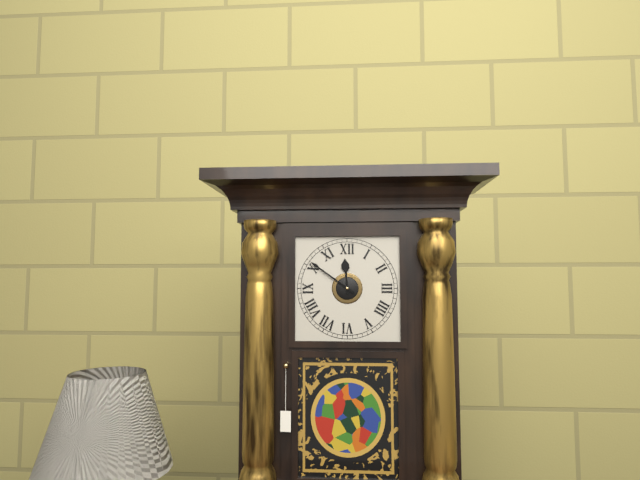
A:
11,51
